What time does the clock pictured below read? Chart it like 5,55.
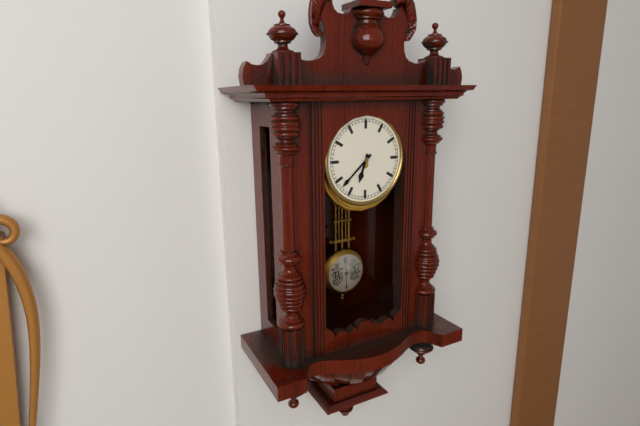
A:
6,38
